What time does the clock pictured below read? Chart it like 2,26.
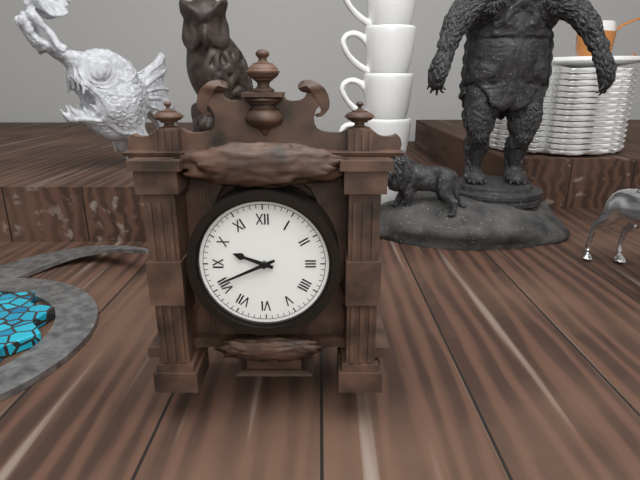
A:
9,41
